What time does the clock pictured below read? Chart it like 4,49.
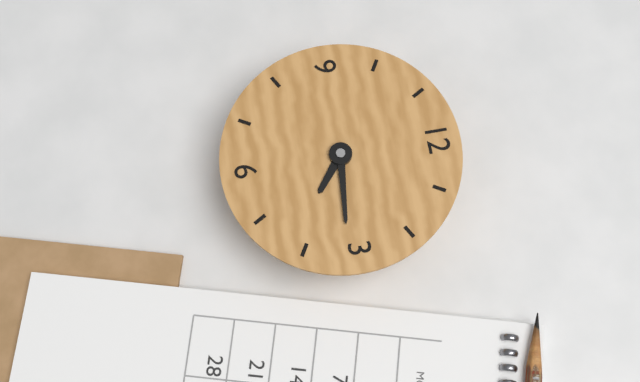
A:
4,16
